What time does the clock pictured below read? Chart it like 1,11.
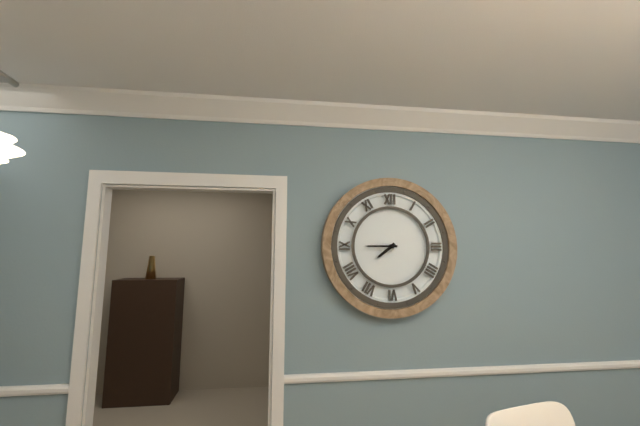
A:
7,45
